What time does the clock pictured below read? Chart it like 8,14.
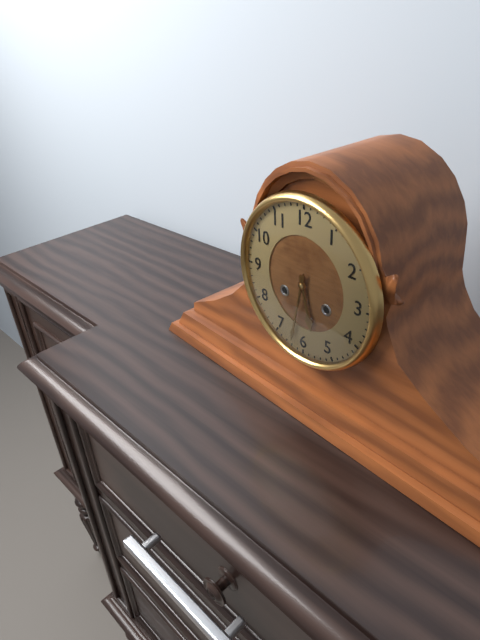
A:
5,32
